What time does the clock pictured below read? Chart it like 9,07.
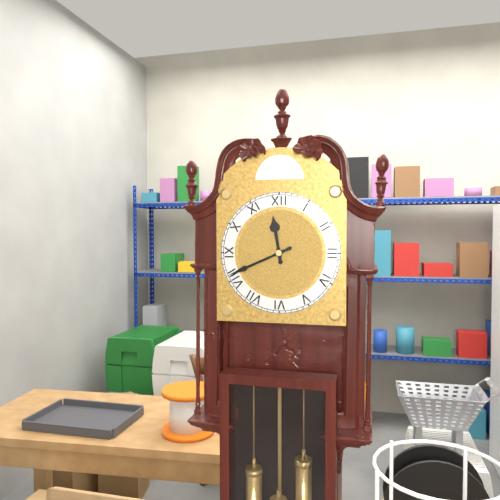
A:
11,41
